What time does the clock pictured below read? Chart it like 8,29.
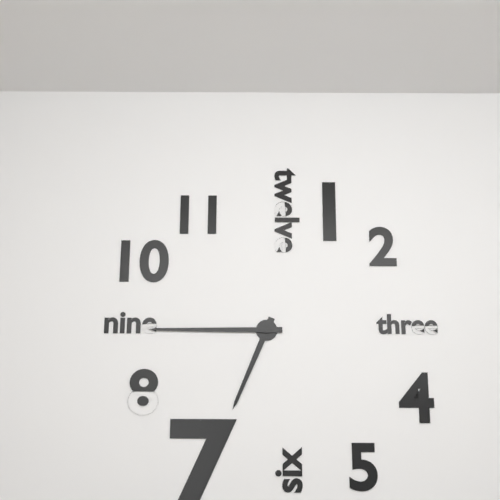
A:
6,45
